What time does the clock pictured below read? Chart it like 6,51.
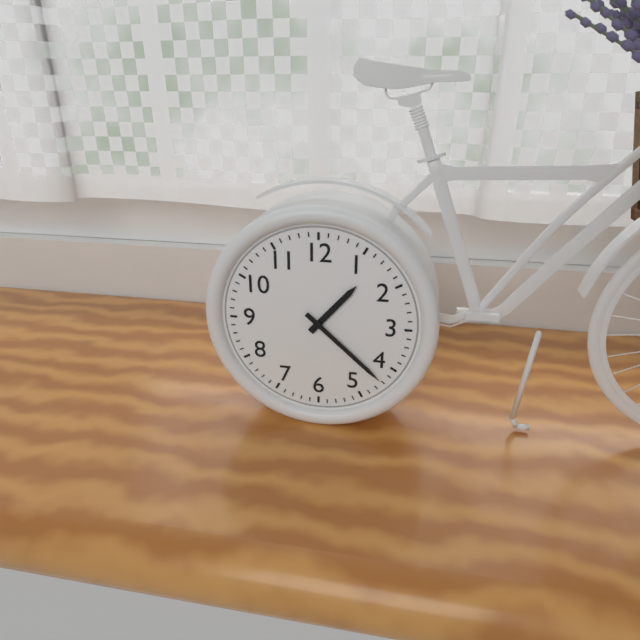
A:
1,22
